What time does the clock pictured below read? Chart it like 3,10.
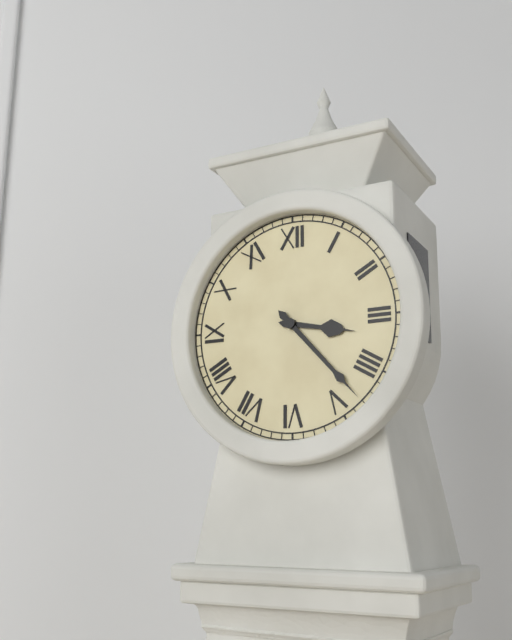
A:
3,23
